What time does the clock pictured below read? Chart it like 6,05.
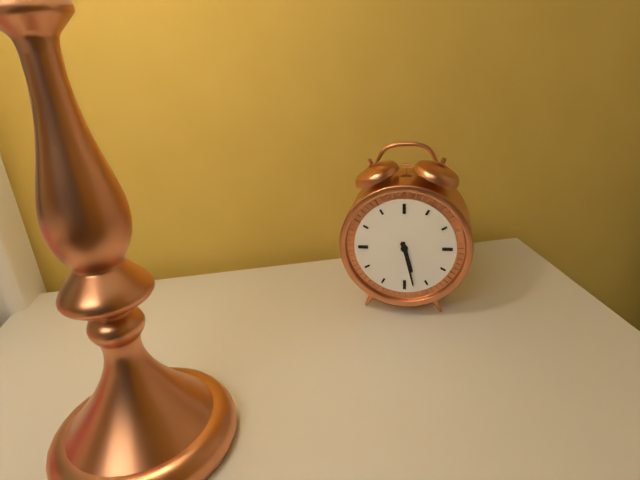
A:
5,28
